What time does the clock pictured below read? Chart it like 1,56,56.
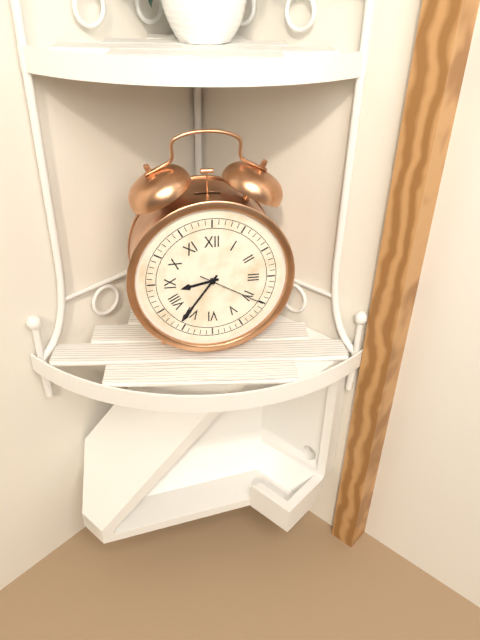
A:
8,36,20
